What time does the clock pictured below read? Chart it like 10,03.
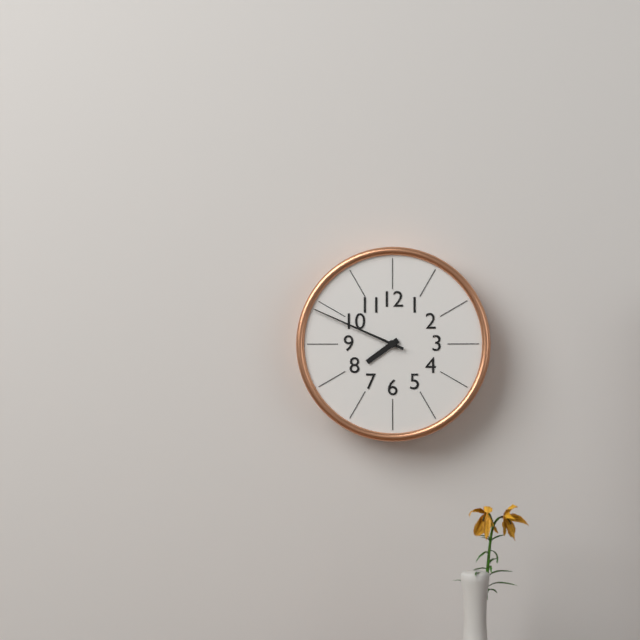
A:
7,49
